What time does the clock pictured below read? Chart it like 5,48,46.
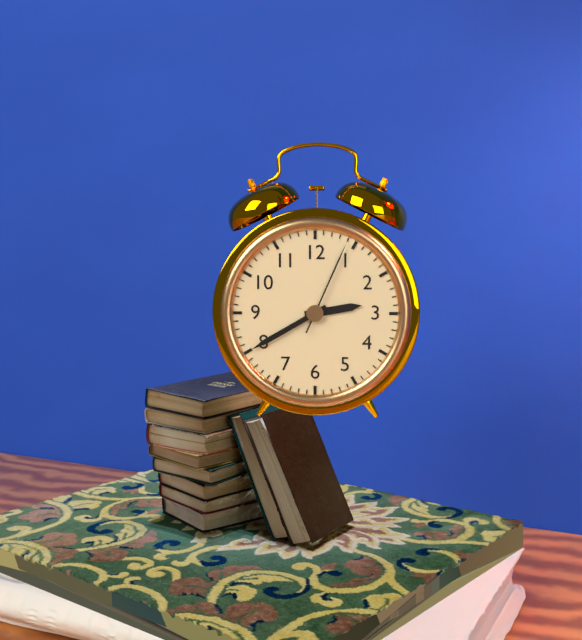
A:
2,40,04
